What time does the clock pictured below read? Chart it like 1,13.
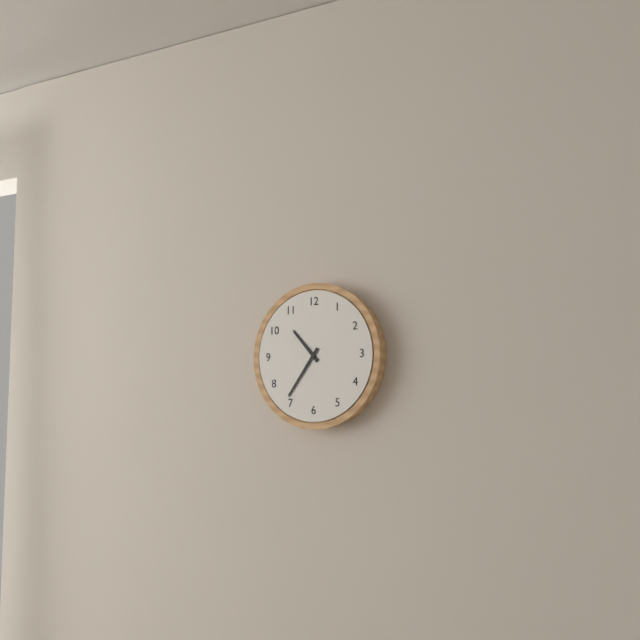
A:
10,36
